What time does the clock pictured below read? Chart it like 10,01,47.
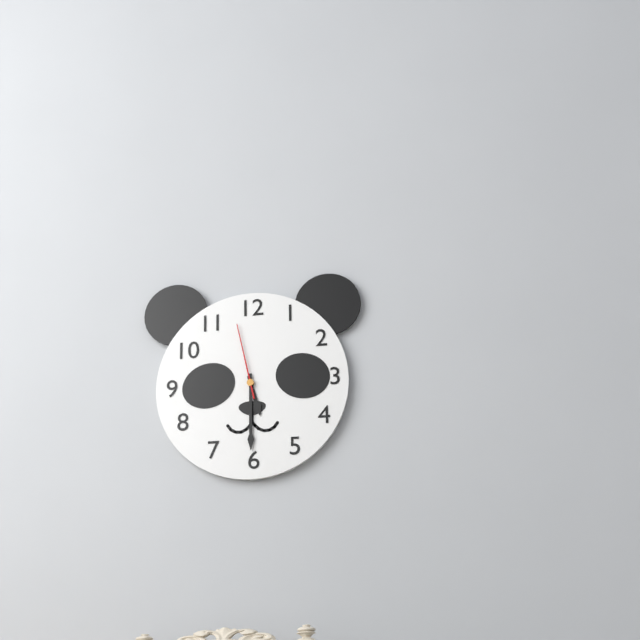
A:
5,30,58
